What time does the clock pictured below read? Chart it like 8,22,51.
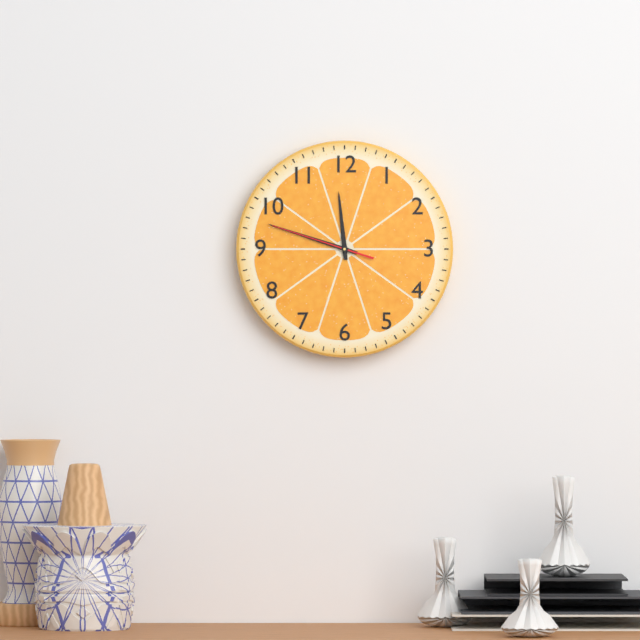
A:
11,48,48
